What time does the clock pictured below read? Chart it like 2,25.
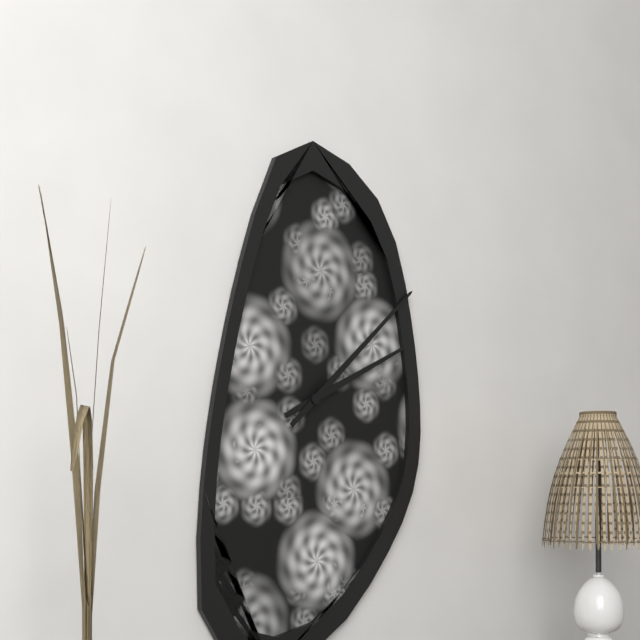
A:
2,08
